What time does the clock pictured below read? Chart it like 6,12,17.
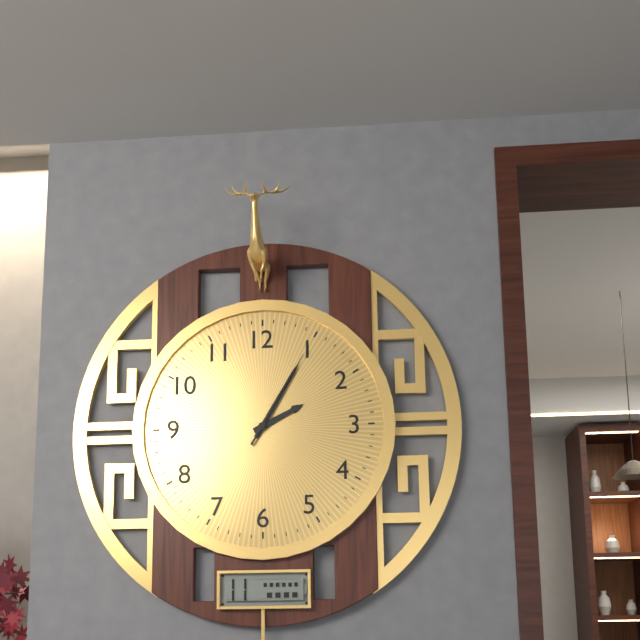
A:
2,05,05
